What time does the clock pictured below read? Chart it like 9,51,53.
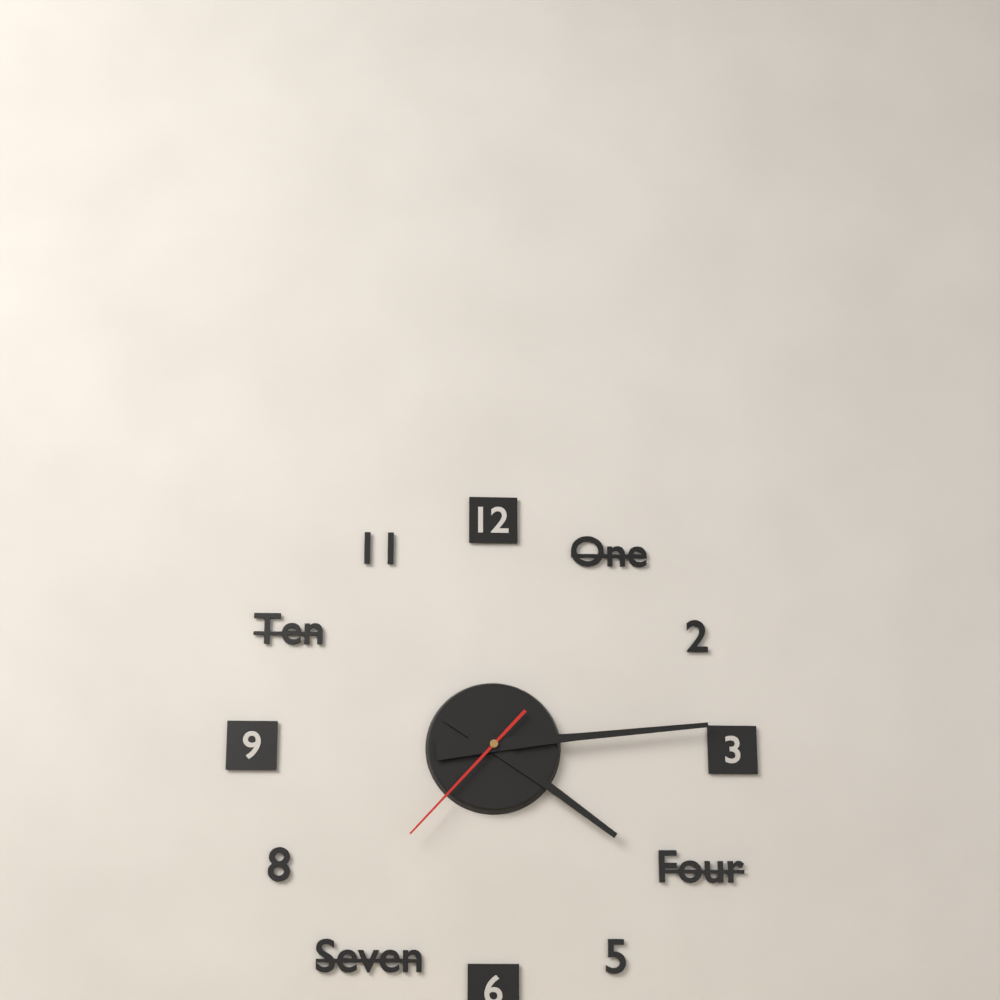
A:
4,14,37
